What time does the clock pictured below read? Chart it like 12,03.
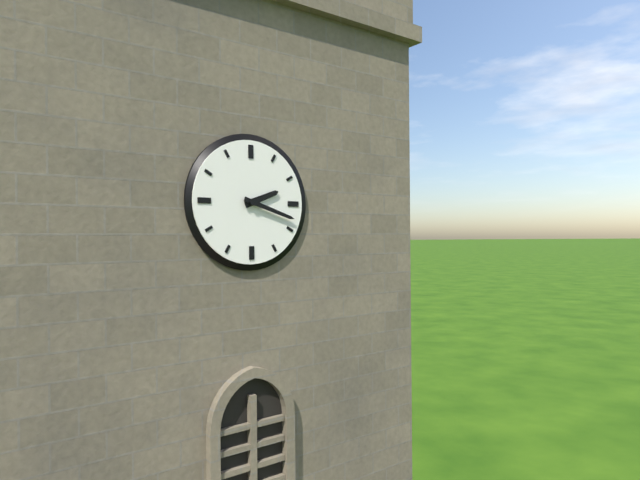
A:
2,18
